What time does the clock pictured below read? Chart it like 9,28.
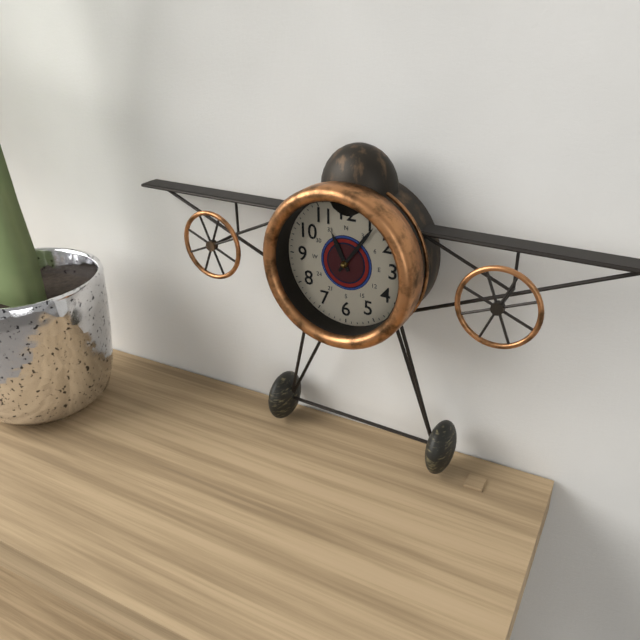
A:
11,06
